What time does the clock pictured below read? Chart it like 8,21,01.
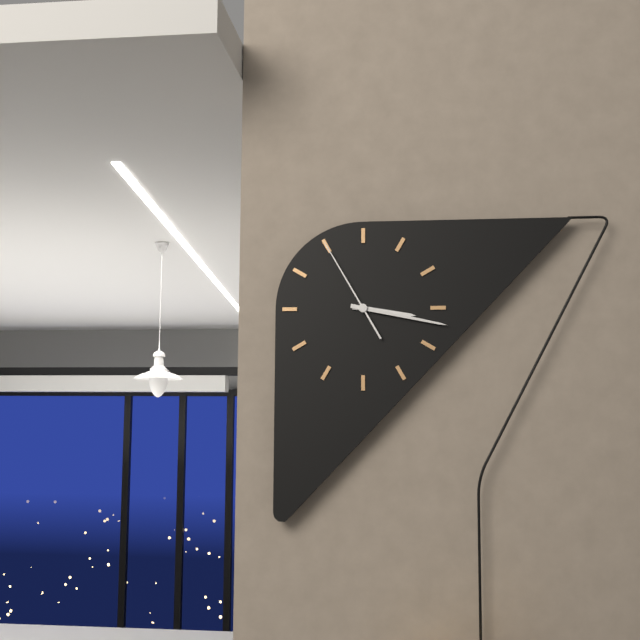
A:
3,17,55
